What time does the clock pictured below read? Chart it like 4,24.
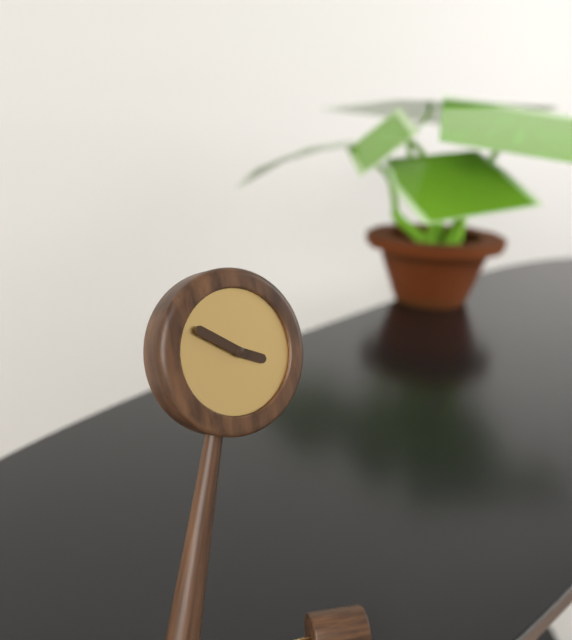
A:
3,51
